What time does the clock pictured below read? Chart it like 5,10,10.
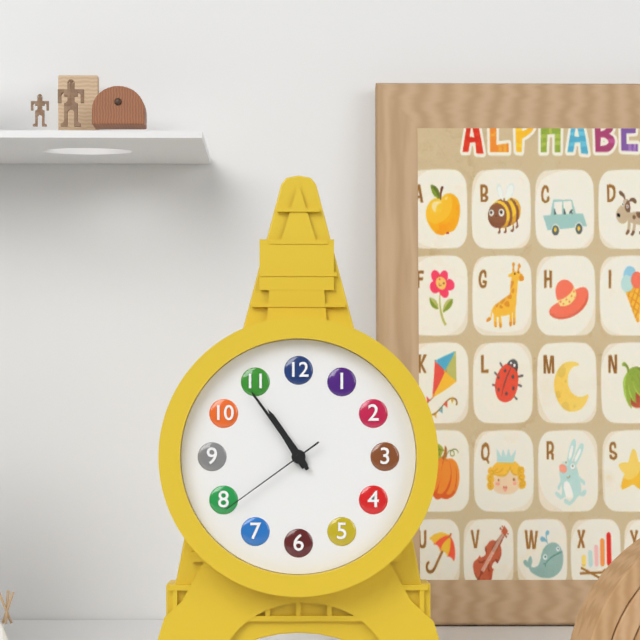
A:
10,54,39
